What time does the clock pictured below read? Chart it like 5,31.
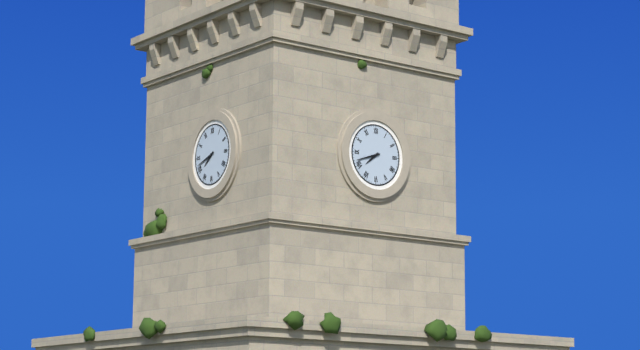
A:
7,42
